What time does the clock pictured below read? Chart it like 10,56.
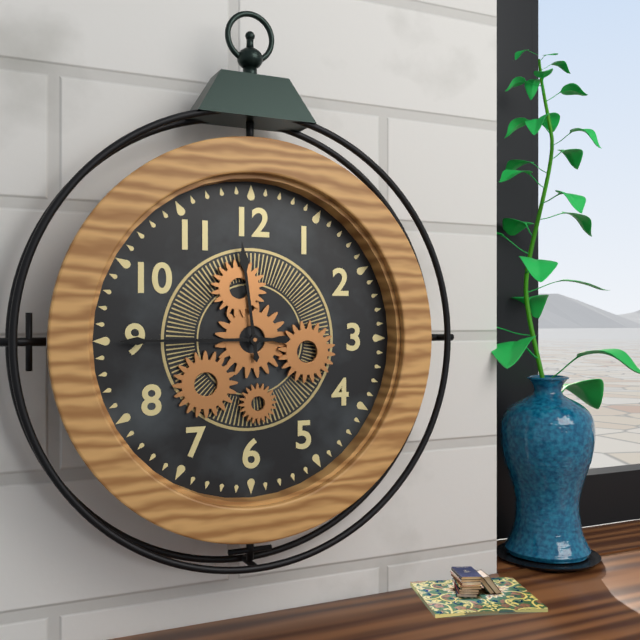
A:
11,45
